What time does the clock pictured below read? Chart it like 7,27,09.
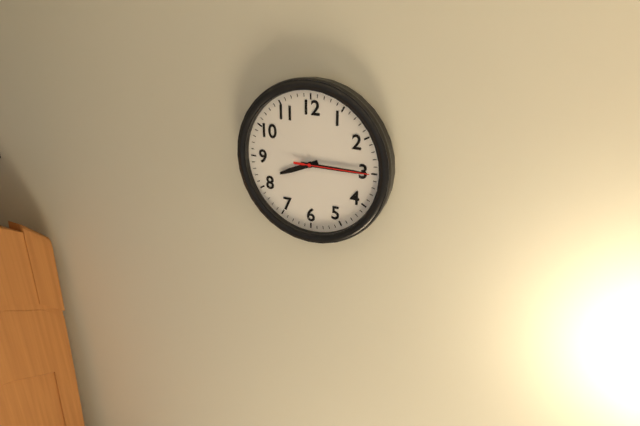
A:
8,15,15
